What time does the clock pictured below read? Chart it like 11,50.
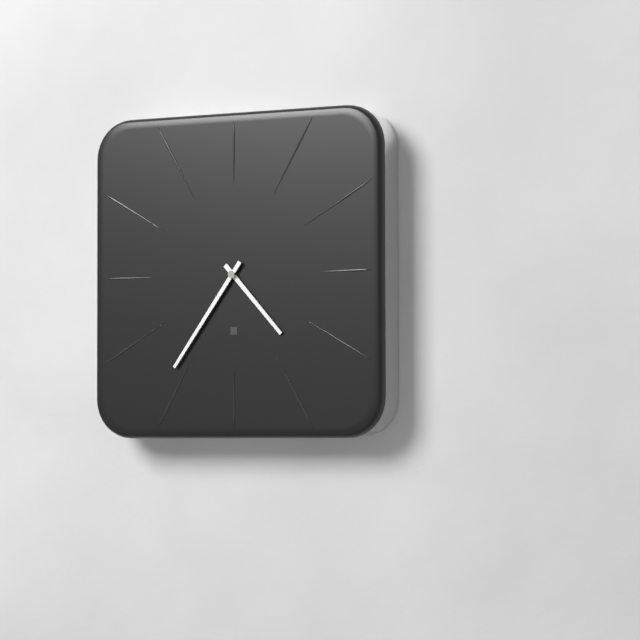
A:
4,36
